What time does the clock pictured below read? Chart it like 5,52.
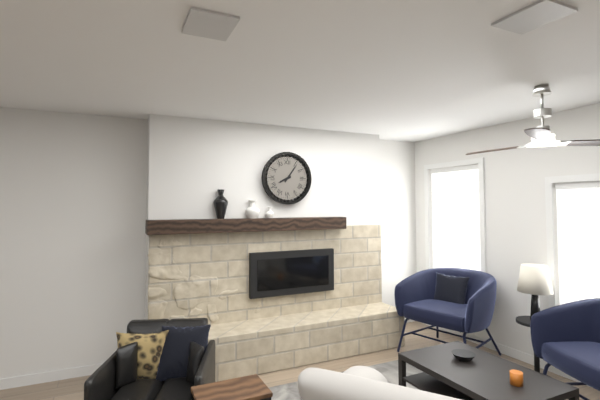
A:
8,06
